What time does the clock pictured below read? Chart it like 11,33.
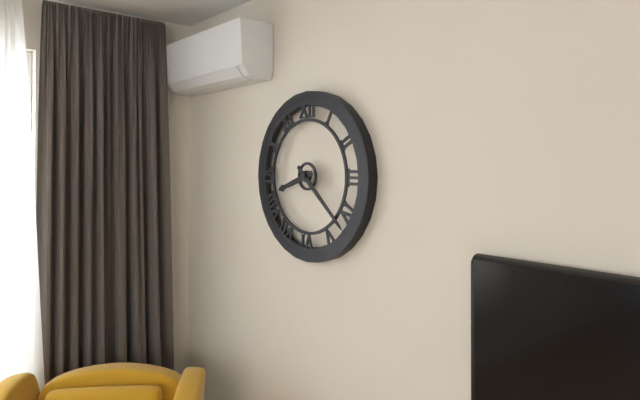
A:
8,22
